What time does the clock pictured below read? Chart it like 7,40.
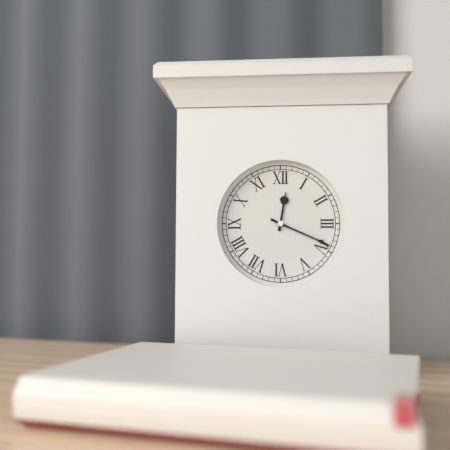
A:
12,19
